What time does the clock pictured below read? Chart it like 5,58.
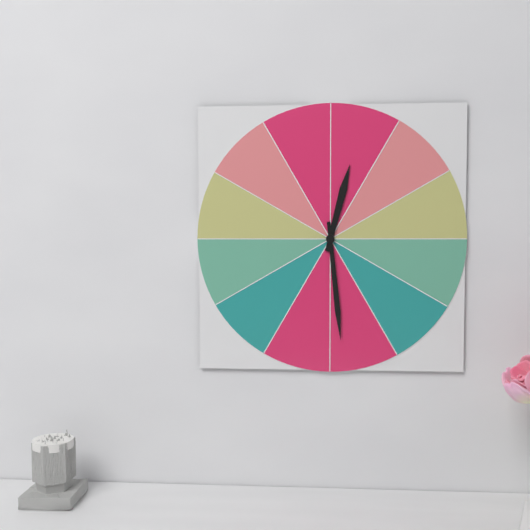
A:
12,29
